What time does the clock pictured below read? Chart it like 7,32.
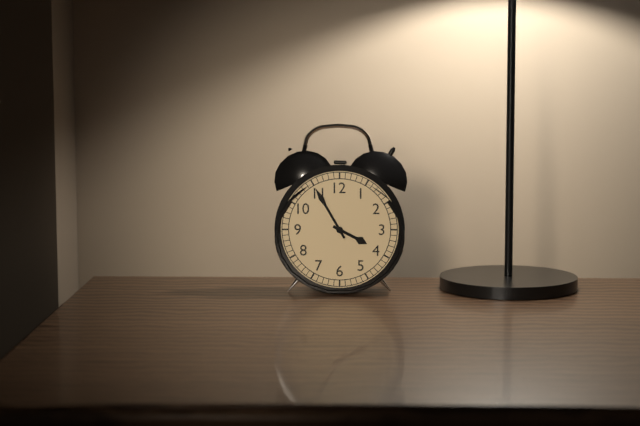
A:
3,55
